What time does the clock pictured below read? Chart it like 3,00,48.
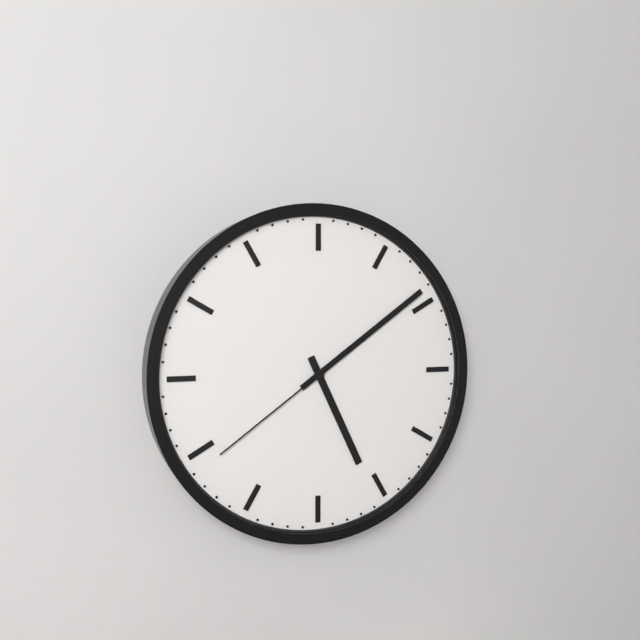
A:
5,09,39
